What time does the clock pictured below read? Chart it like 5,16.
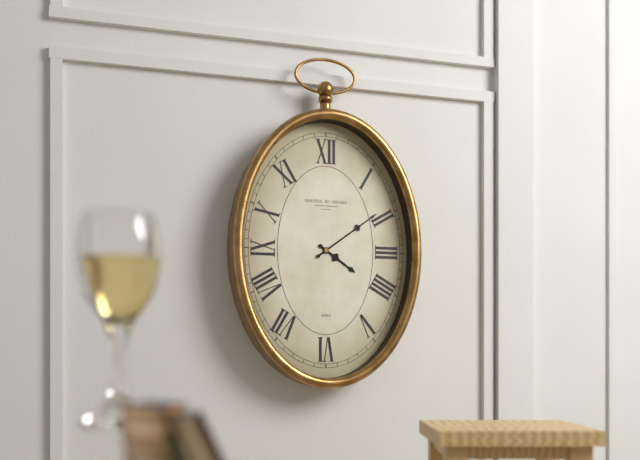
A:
4,09
